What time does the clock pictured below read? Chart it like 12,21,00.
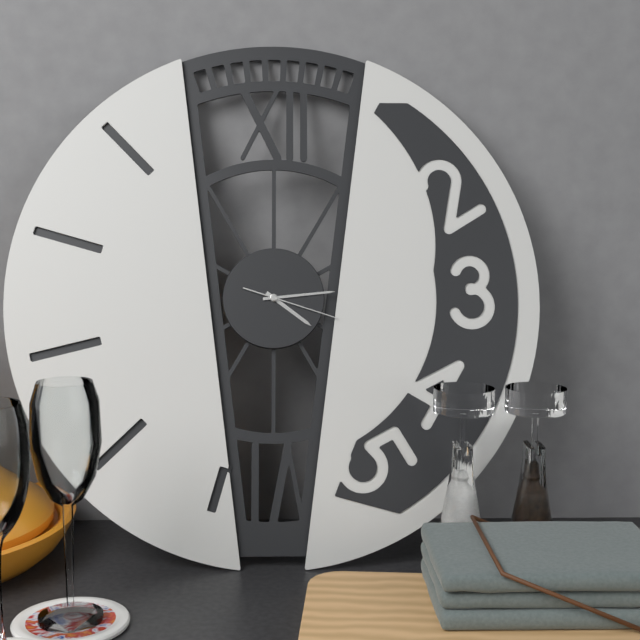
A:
4,14,18
